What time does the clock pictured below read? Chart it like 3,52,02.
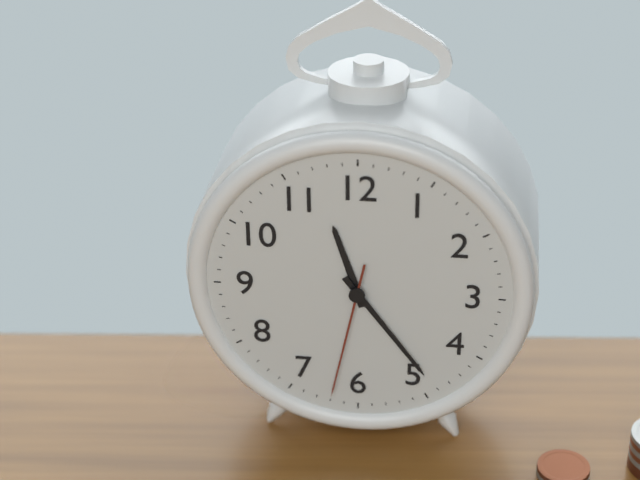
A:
11,24,32
